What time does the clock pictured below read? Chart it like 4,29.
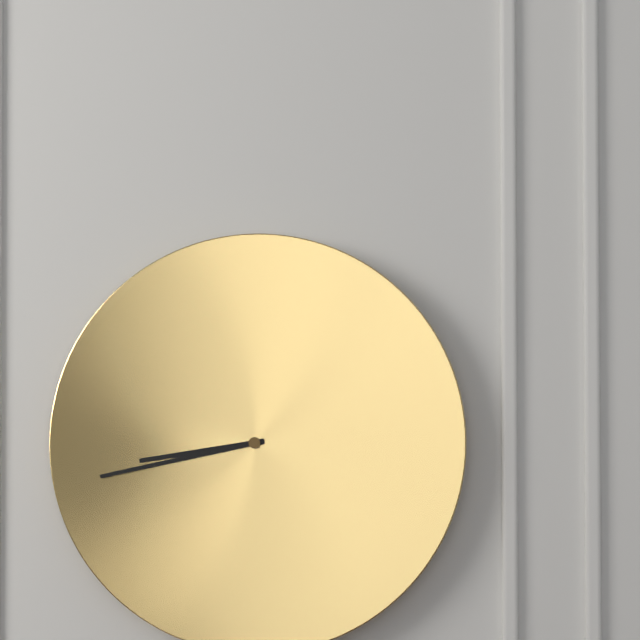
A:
8,43
